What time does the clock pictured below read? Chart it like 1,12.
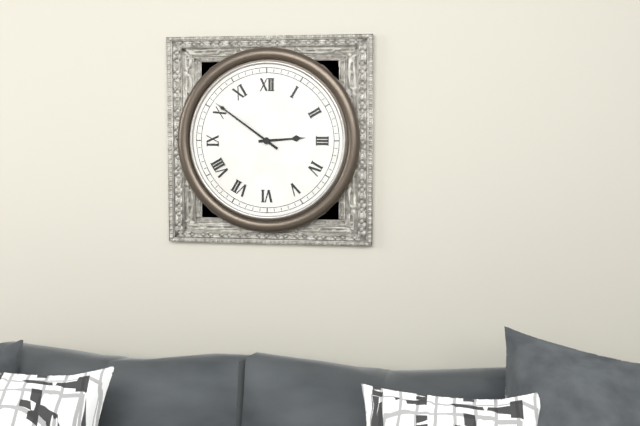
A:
2,51
